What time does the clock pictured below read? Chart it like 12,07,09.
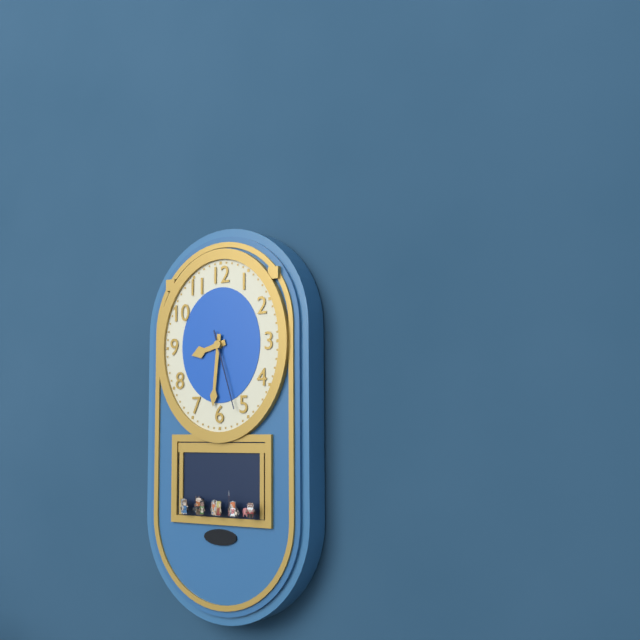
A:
8,31,27
